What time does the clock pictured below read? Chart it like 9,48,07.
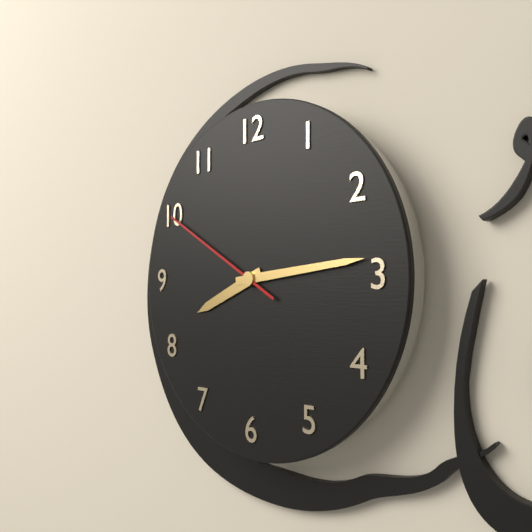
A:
8,14,50
